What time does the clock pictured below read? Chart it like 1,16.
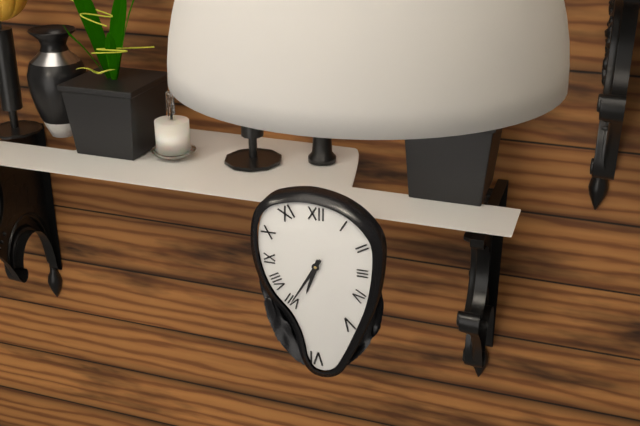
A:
6,35
